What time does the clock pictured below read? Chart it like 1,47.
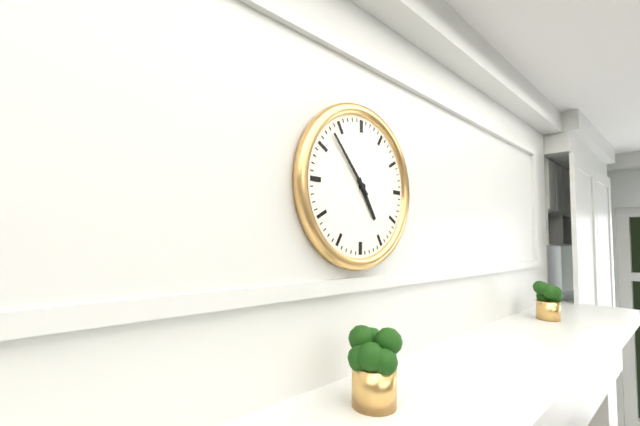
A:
4,53
